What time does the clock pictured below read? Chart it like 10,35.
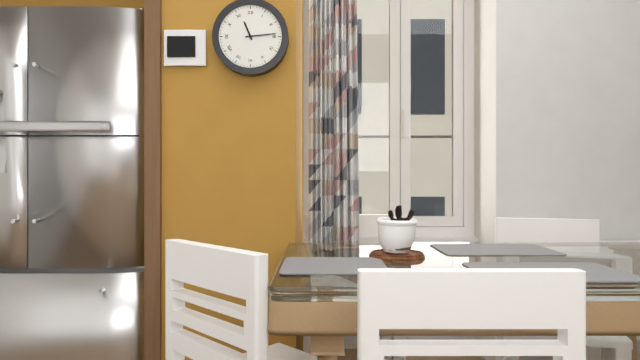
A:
11,14
